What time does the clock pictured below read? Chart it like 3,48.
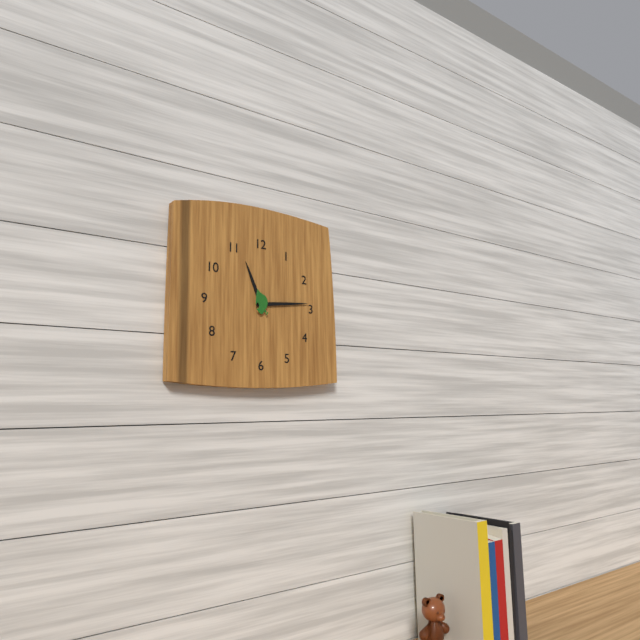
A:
11,14
